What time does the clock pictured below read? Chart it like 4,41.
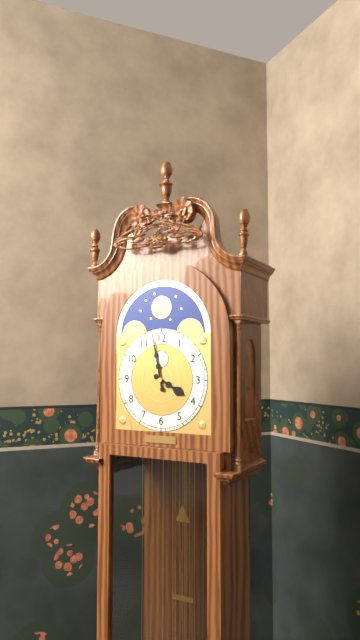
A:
3,58
